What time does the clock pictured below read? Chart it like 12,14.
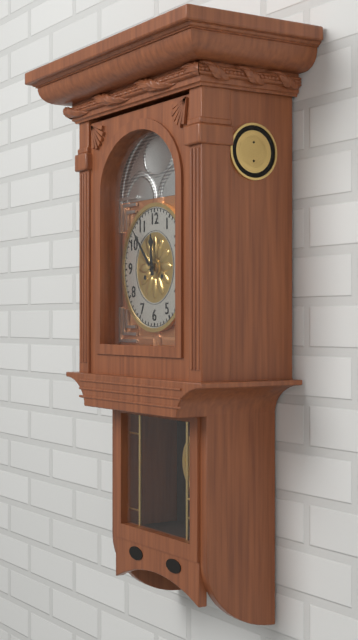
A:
11,53
